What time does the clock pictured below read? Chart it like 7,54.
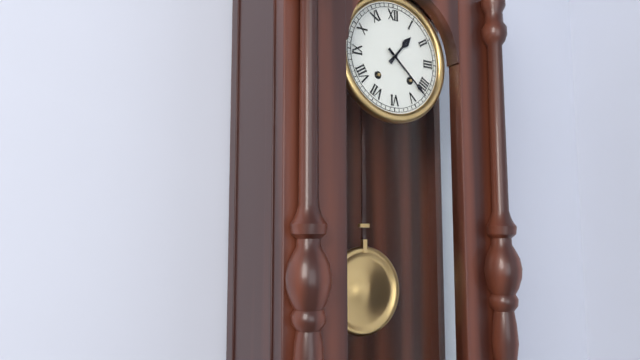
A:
1,22
